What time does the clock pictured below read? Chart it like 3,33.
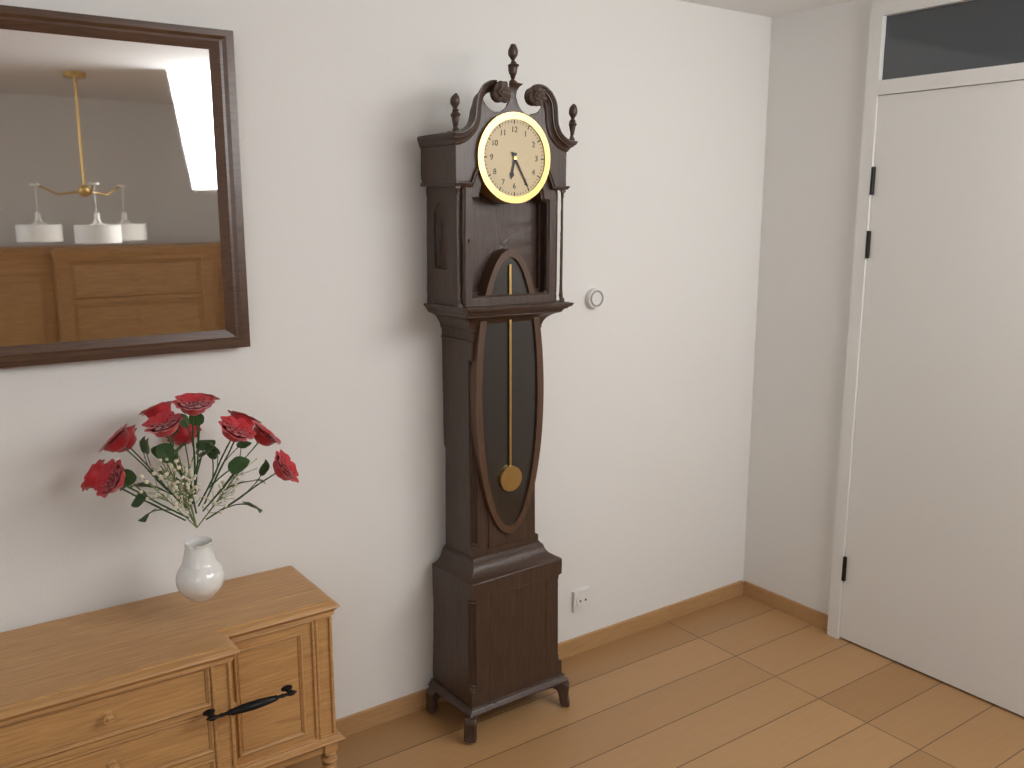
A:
6,25
